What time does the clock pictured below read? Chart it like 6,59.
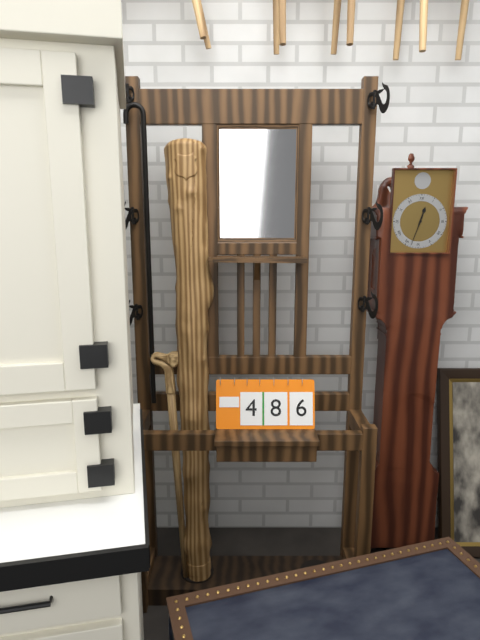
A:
12,33
